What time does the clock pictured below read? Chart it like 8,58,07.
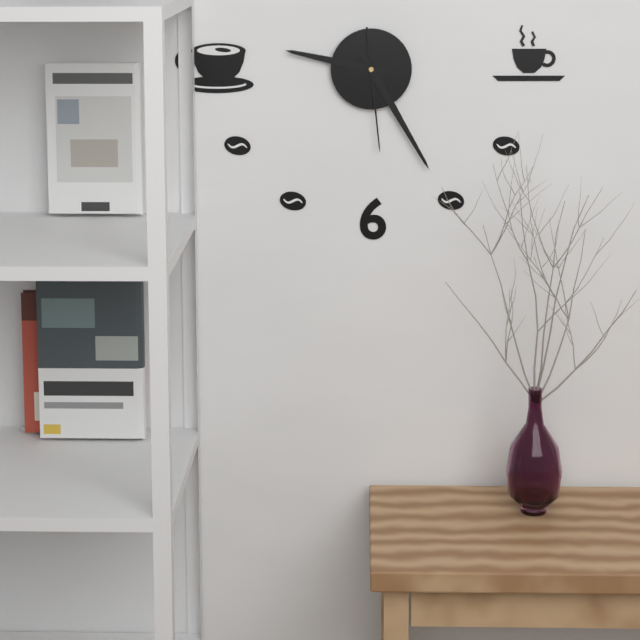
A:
9,25,29
